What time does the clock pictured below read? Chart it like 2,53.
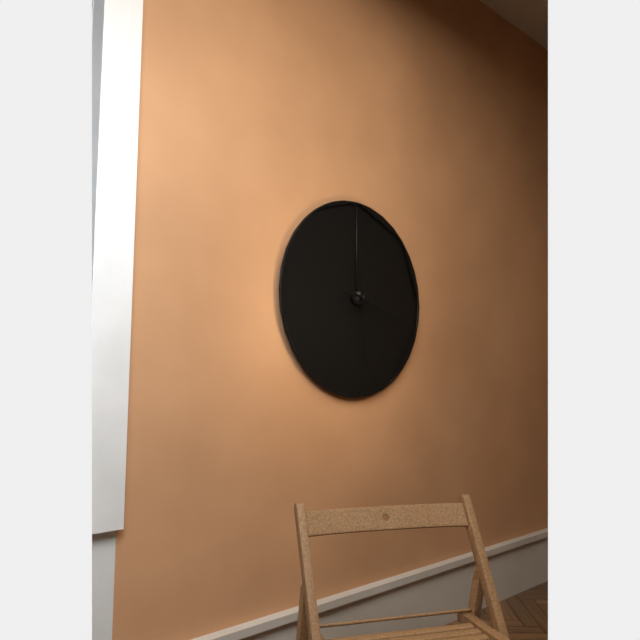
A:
3,29
